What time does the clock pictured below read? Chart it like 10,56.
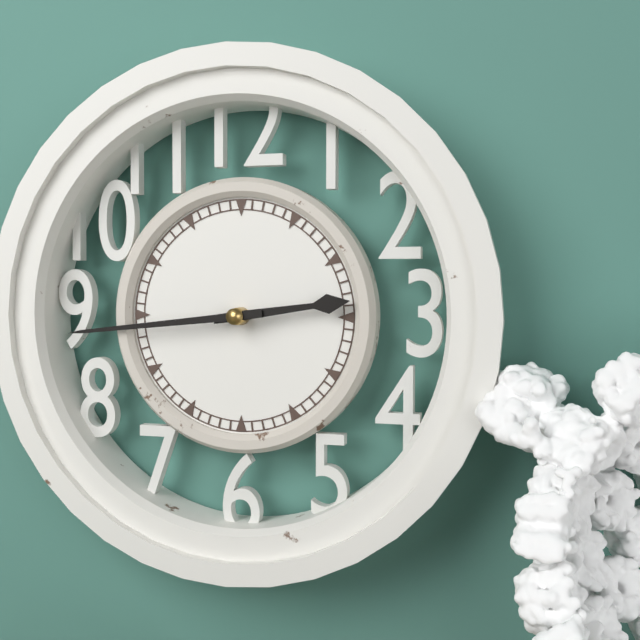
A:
2,44
